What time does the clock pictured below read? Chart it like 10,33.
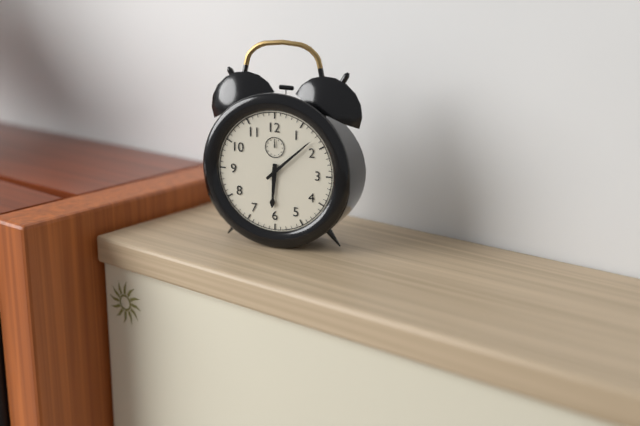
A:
6,08
